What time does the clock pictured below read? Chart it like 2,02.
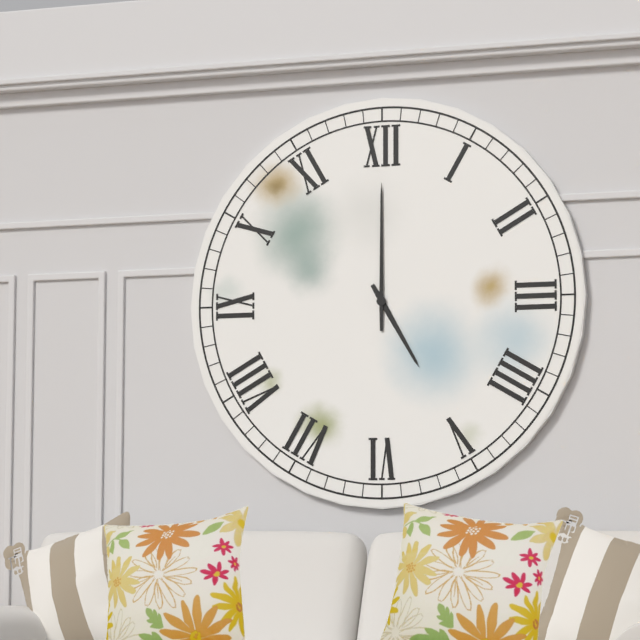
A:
5,00
